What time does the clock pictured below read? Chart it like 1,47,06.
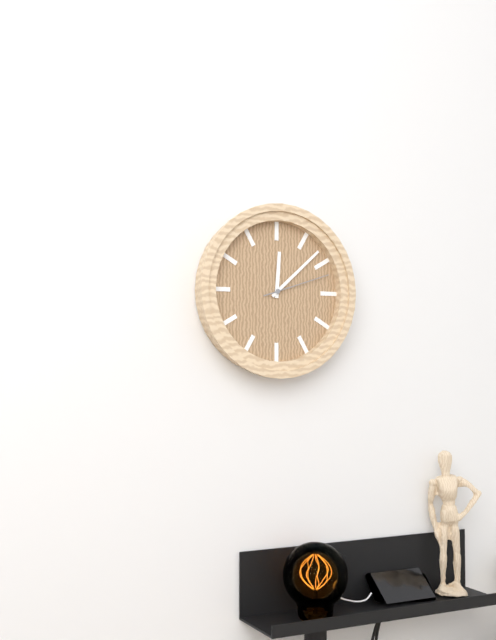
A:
12,08,12
